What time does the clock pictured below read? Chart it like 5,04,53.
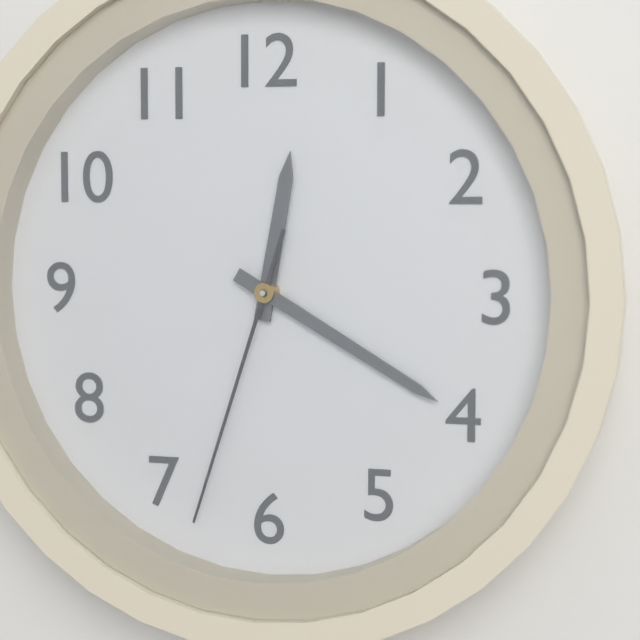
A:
12,20,33
